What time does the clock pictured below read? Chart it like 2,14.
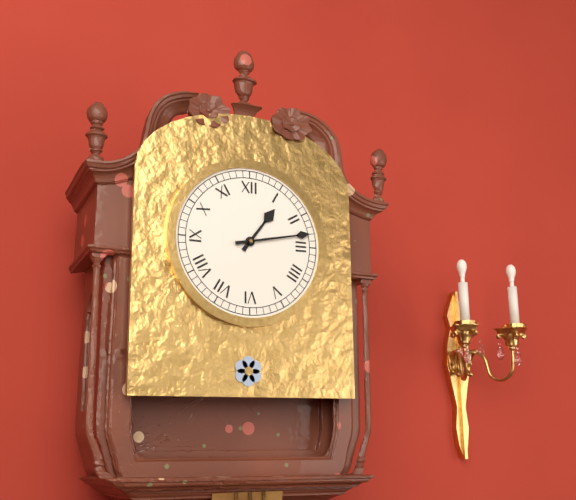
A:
1,13
